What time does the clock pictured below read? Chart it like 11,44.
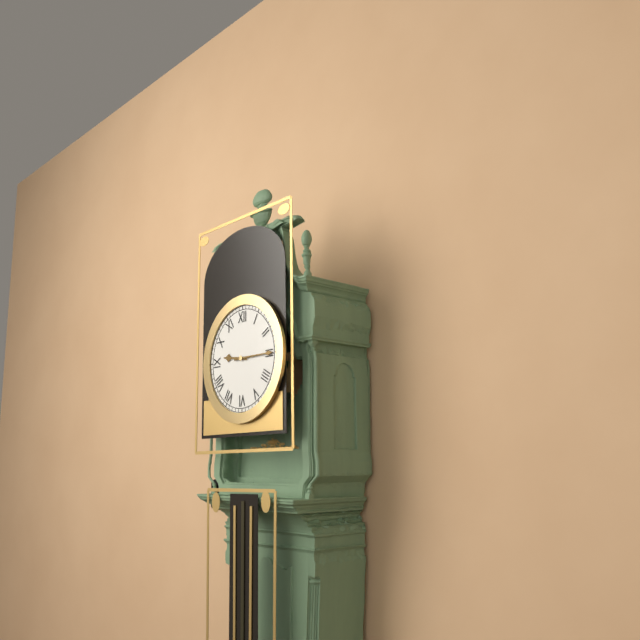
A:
9,15
